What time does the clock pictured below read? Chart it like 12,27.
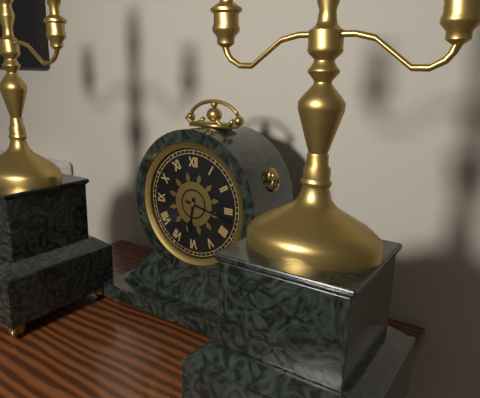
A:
6,17
